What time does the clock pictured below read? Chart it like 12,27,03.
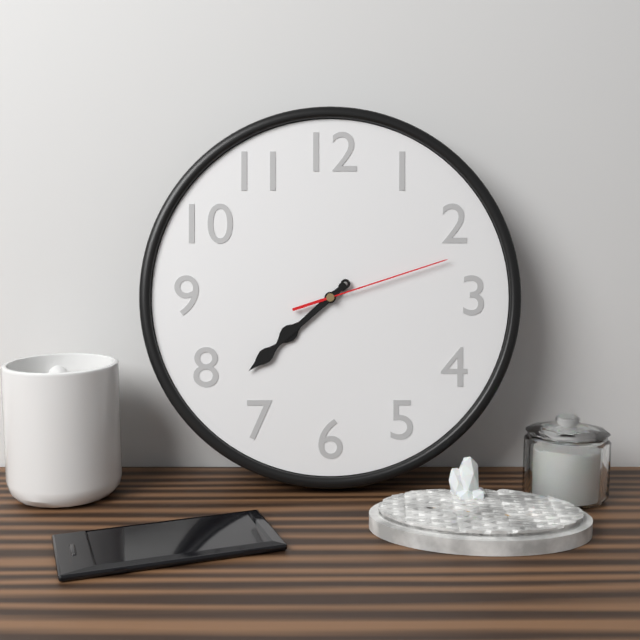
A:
7,38,12
